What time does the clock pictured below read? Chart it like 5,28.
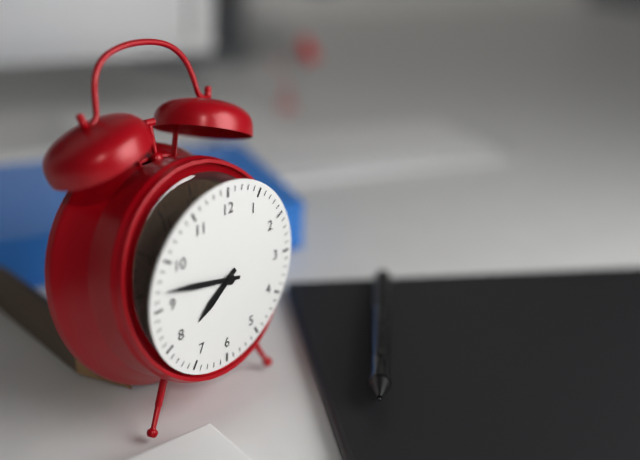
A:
7,47
